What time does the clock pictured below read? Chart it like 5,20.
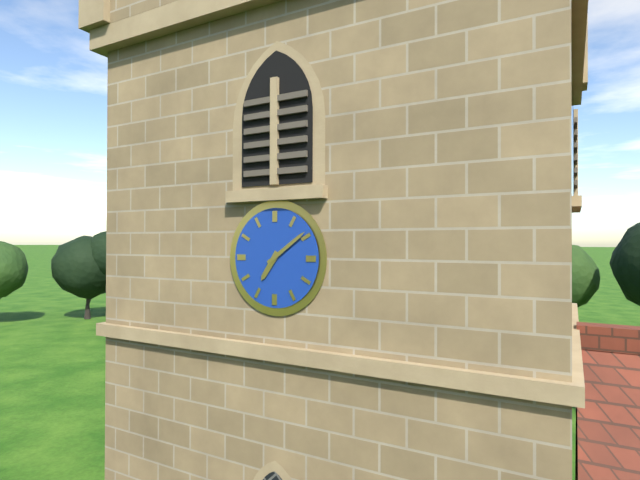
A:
7,09
